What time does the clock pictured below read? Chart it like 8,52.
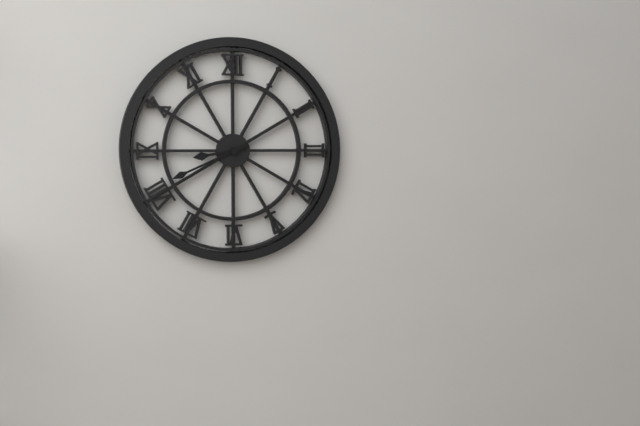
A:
8,41
